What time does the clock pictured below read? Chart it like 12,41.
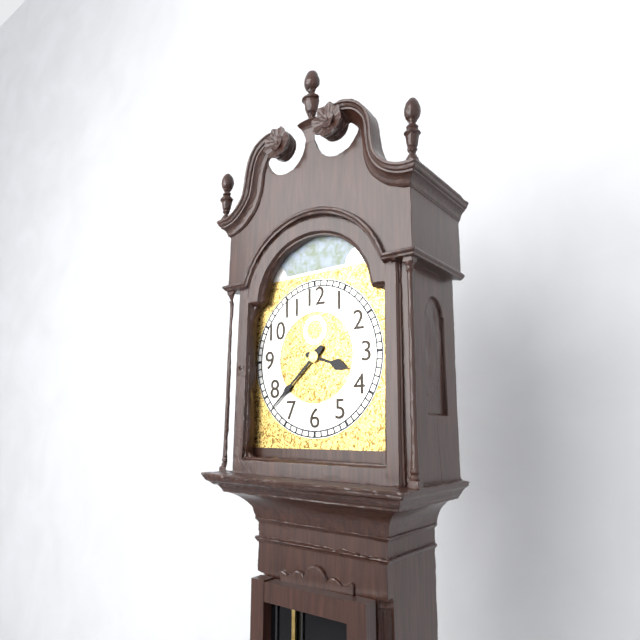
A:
3,38
